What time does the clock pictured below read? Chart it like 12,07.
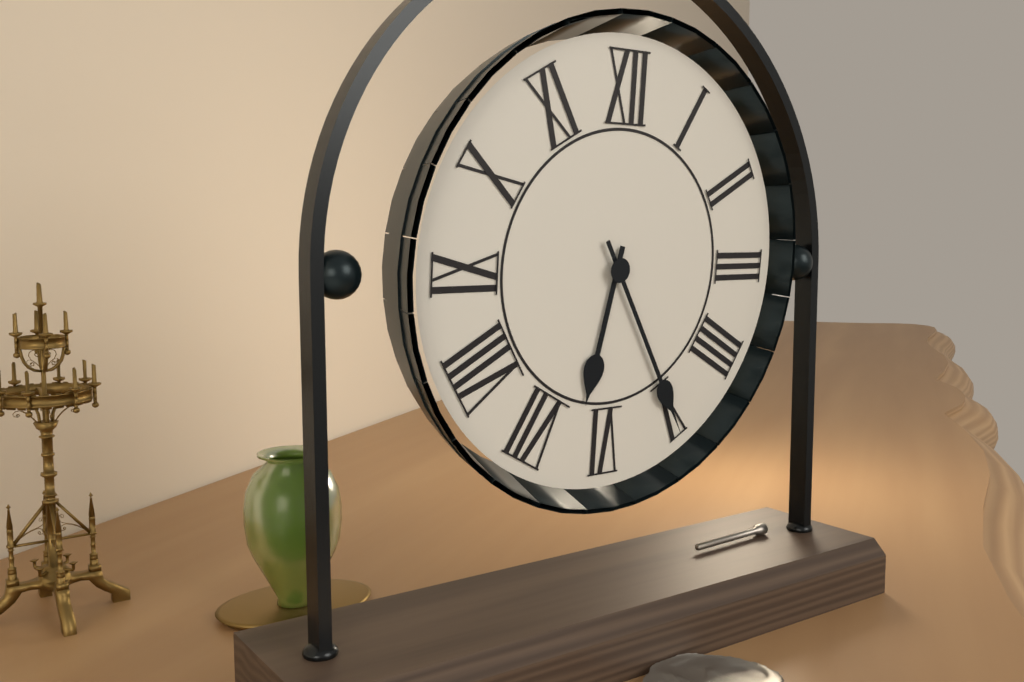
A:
6,25
